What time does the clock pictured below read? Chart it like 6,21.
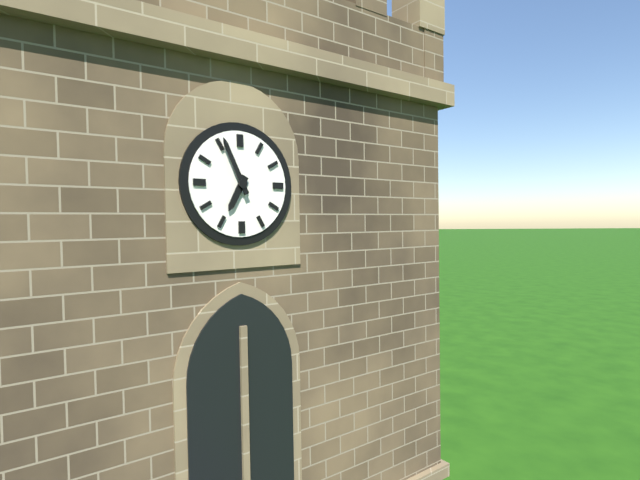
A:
6,56
